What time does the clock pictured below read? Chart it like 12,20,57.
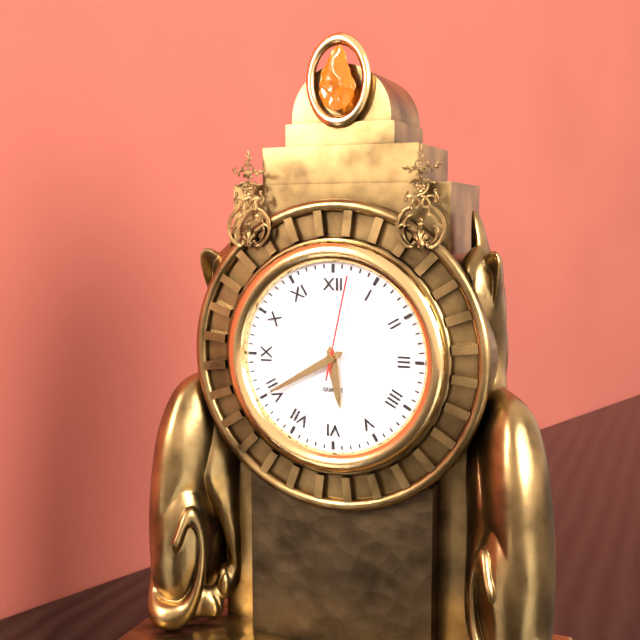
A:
5,40,02
